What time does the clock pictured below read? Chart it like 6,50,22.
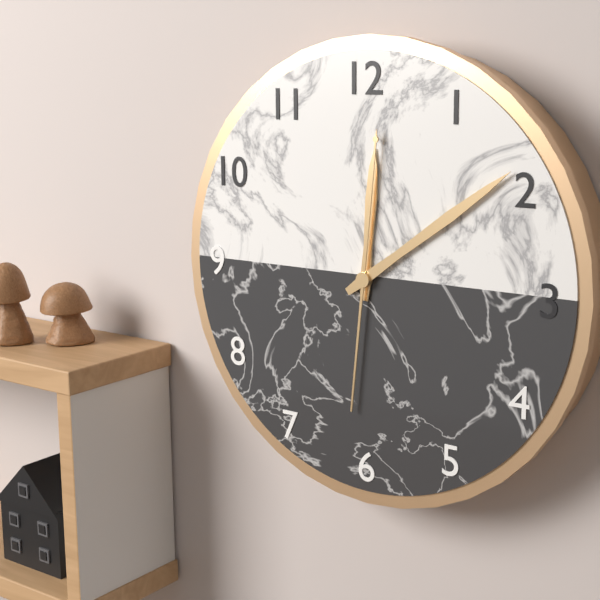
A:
12,09,01
